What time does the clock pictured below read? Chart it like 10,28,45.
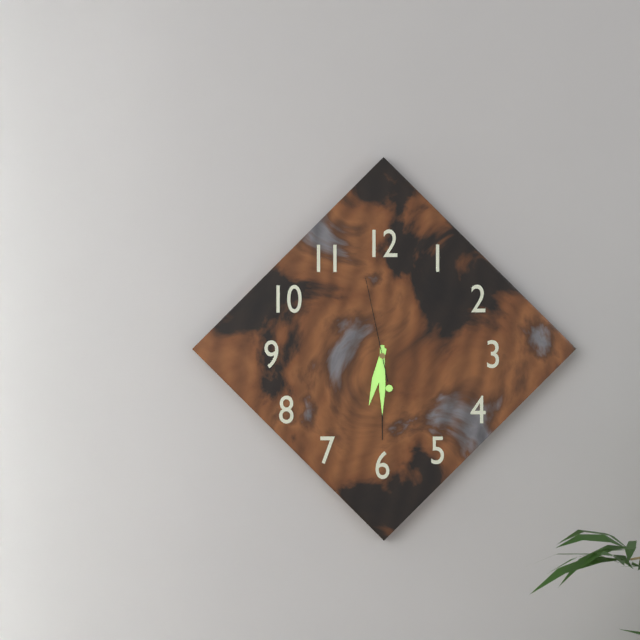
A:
6,30,58
